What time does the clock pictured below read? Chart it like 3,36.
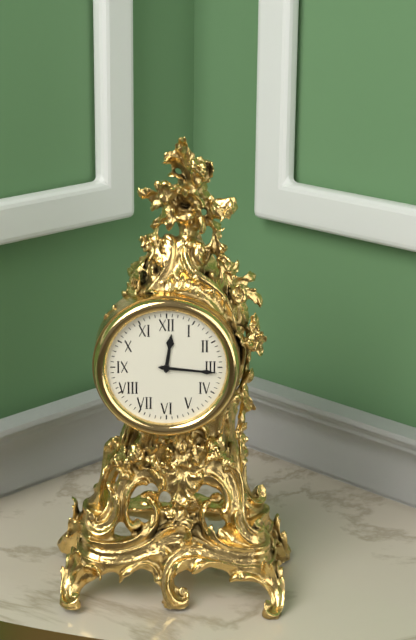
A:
12,16
